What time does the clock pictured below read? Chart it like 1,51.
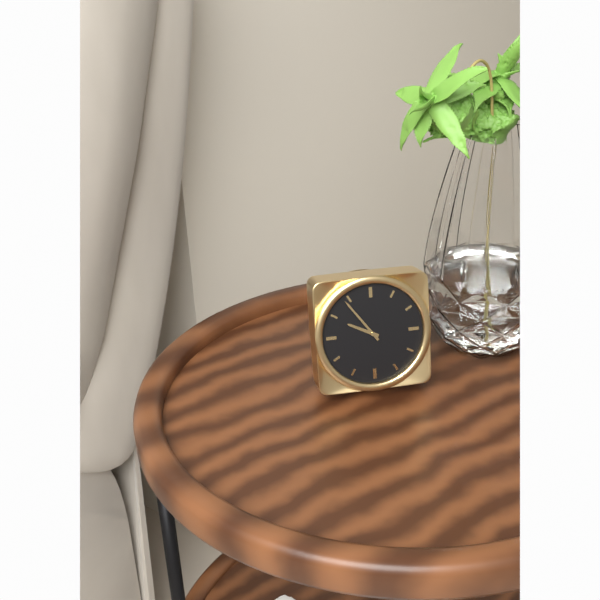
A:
9,54
